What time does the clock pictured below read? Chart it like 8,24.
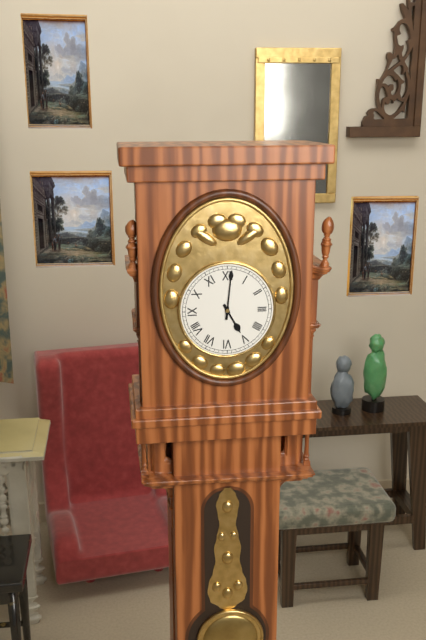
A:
5,01
